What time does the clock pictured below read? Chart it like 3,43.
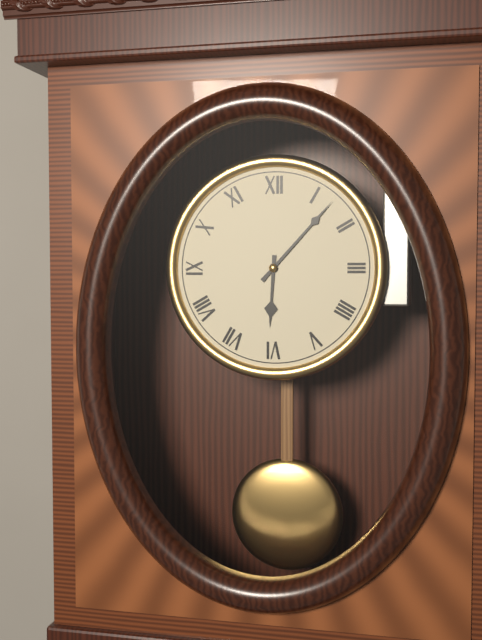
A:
6,07
